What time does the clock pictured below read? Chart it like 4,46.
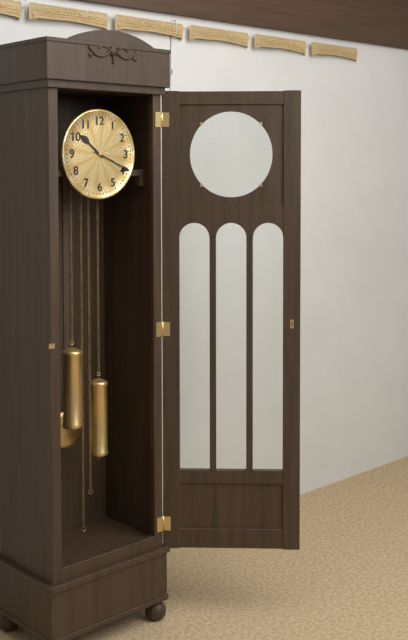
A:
10,19
